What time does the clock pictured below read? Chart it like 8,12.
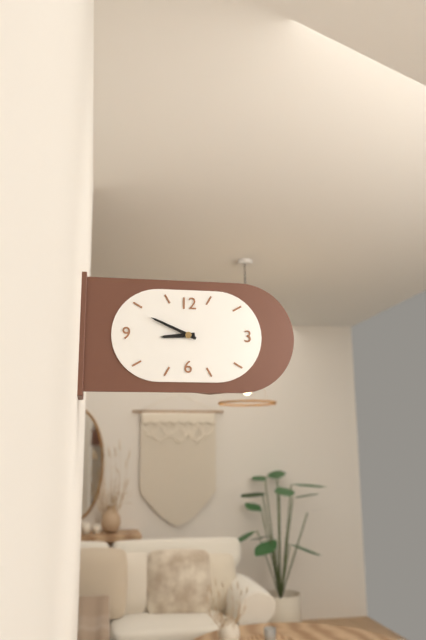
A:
8,49
